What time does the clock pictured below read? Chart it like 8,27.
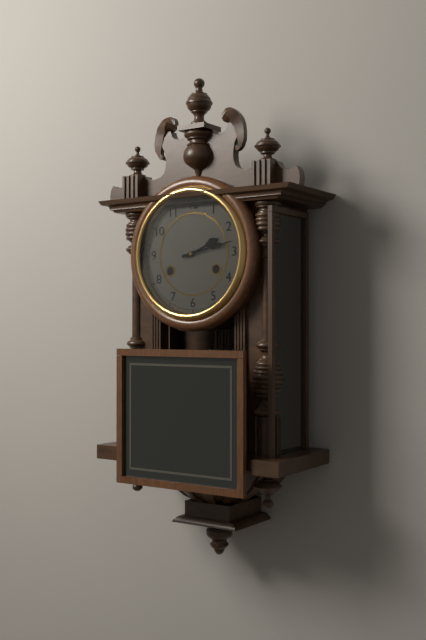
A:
2,13
